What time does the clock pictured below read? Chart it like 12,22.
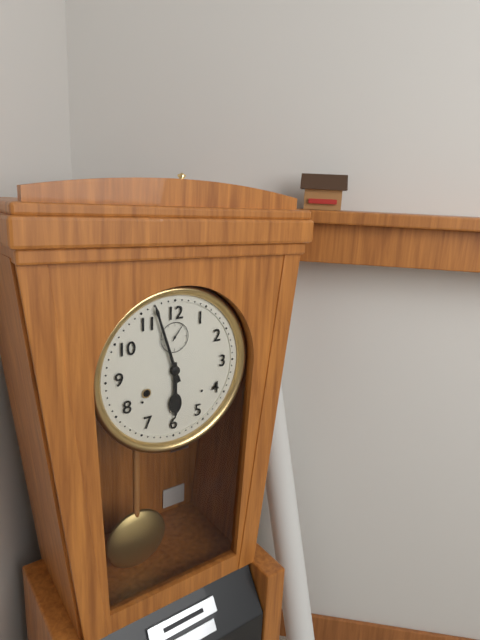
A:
5,57
